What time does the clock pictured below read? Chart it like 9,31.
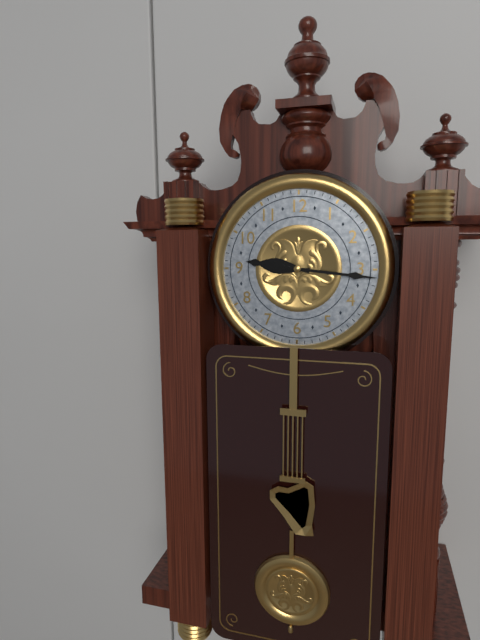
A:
9,16
